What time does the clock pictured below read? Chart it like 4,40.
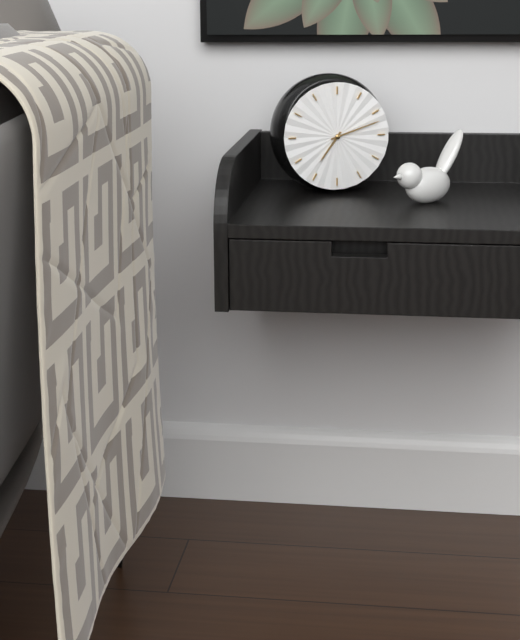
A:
7,12
